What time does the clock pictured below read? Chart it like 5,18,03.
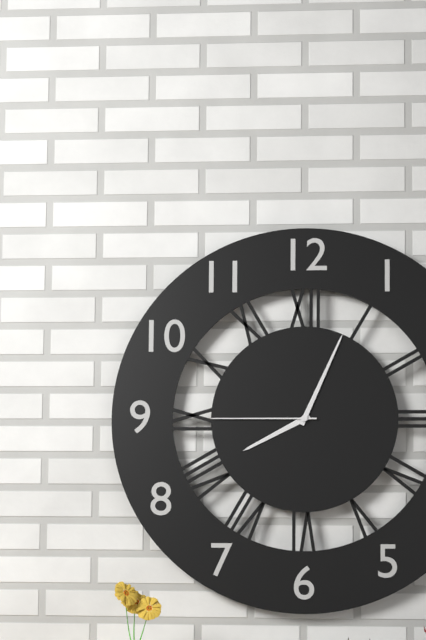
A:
8,04,45
